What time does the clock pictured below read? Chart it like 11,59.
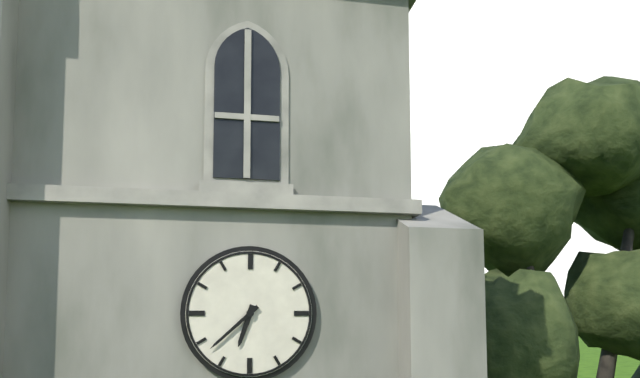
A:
6,38
